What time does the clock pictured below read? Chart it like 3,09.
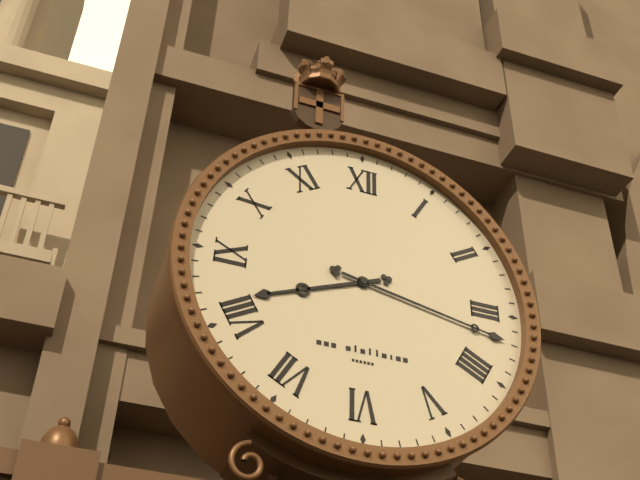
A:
8,17
